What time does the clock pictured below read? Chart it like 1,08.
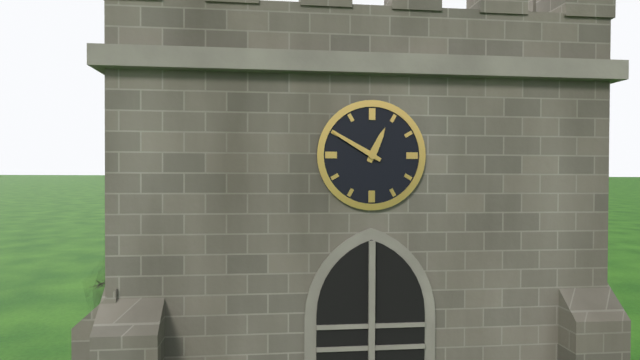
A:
12,50
